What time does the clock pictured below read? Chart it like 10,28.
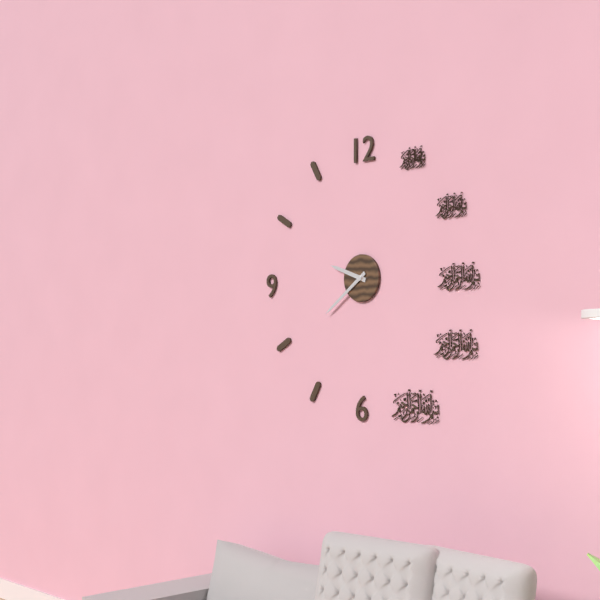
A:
9,39
